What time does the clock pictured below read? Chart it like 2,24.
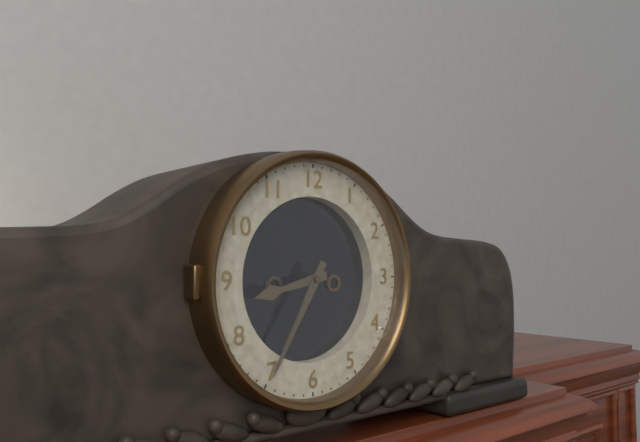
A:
8,35
